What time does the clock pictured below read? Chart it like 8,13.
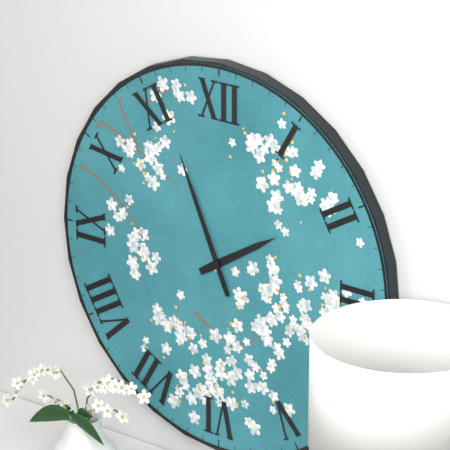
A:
1,56
